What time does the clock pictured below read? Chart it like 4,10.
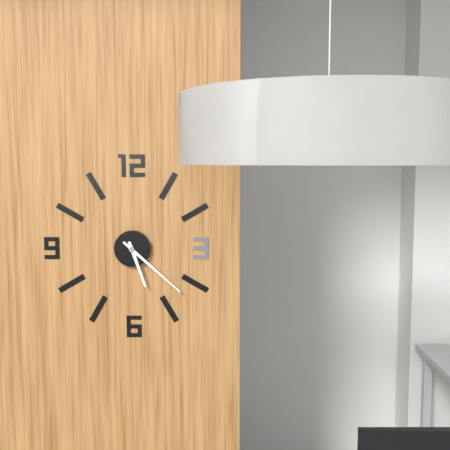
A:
5,22
